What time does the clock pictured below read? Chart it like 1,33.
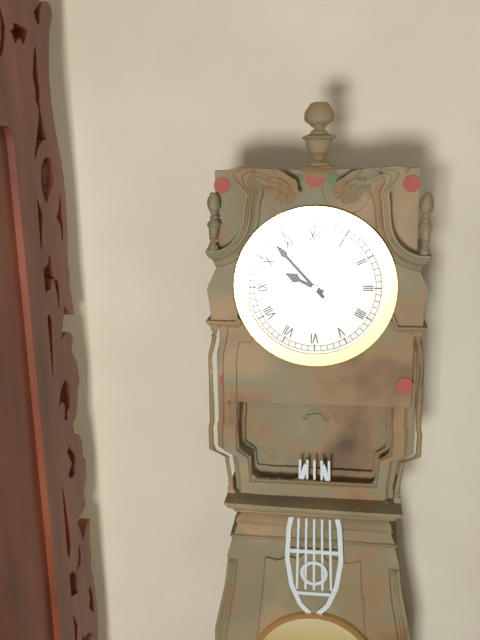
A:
9,53
